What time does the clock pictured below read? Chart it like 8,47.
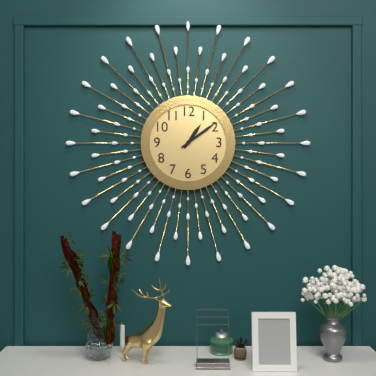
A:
1,09
